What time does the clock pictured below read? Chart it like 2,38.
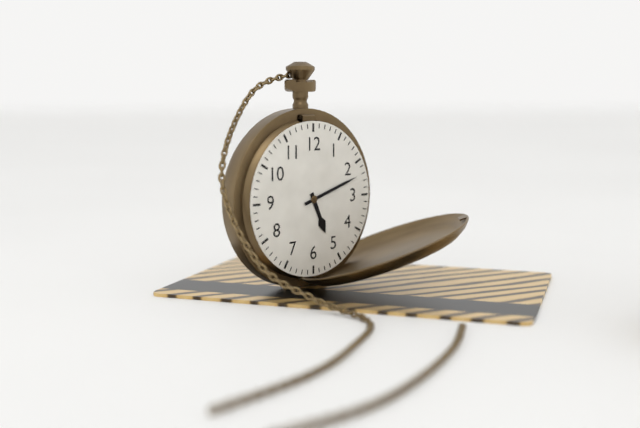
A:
5,12
